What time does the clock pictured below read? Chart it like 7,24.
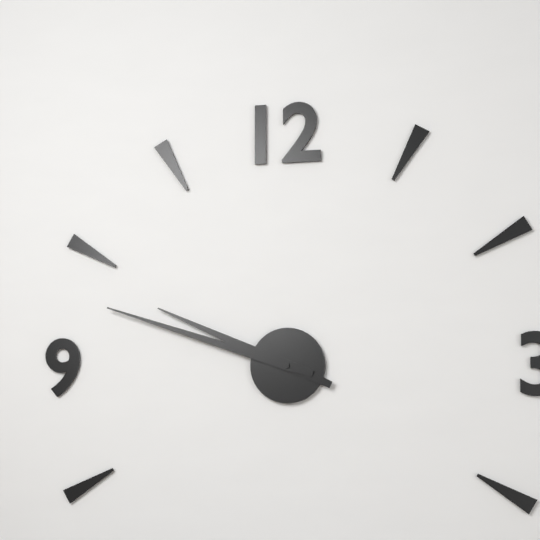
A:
9,48
